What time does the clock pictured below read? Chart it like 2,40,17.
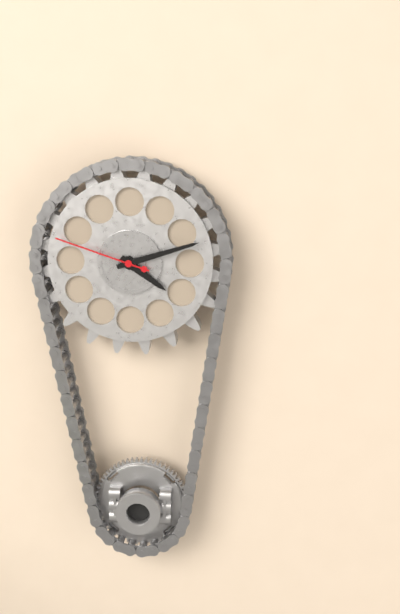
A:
4,12,48
